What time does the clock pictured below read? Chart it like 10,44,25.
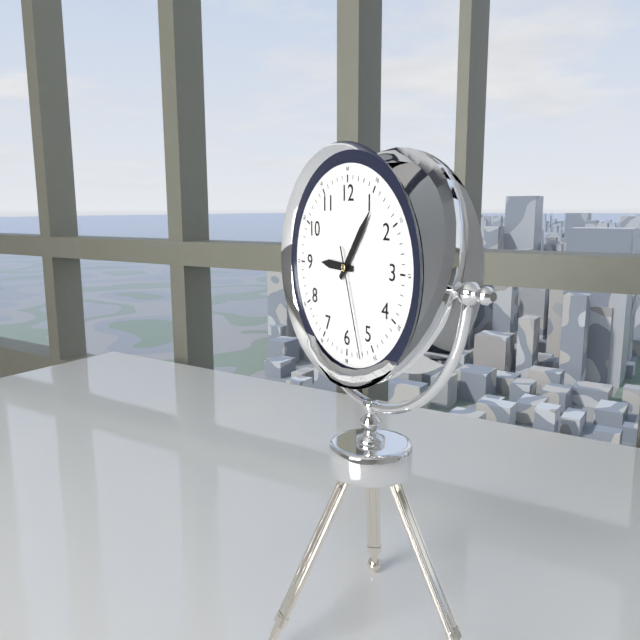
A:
9,06,27
